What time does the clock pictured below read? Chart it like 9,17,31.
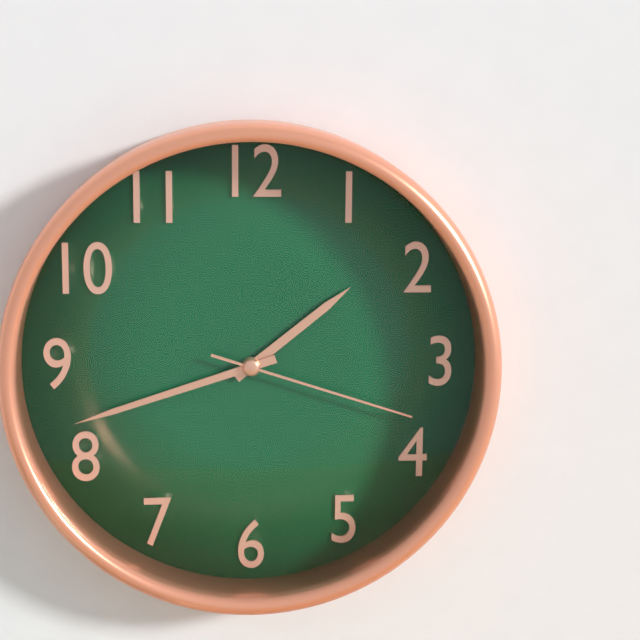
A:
1,42,18
